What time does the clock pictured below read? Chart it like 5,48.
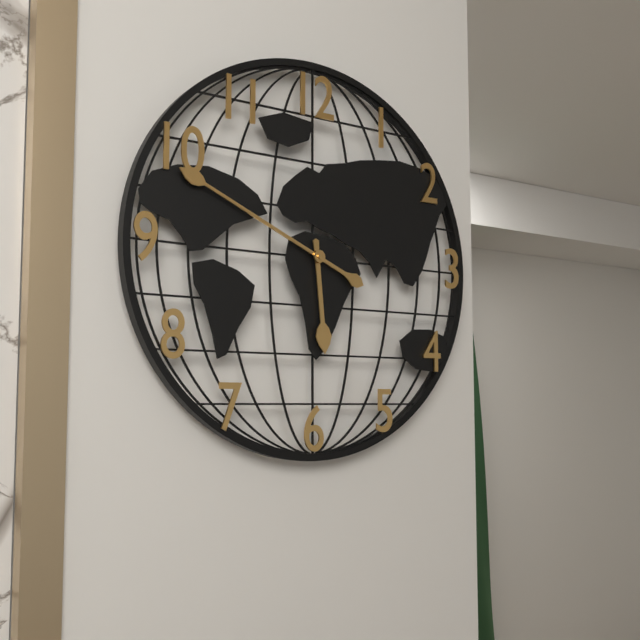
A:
5,49
